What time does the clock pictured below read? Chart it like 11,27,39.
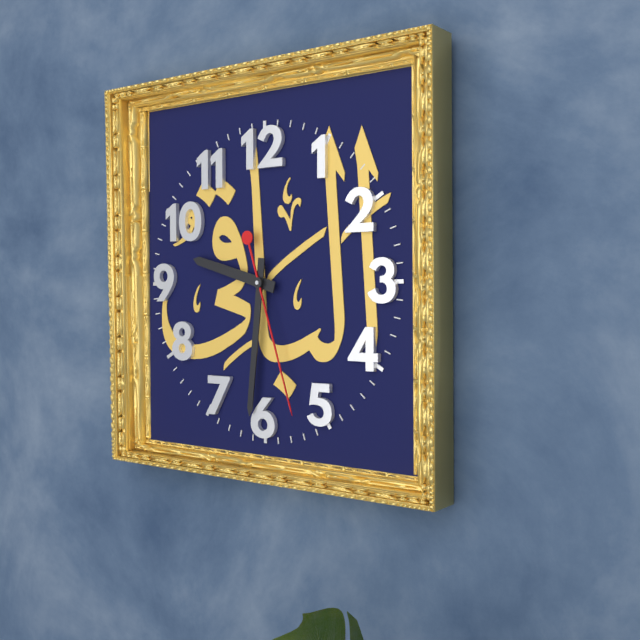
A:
9,31,27
